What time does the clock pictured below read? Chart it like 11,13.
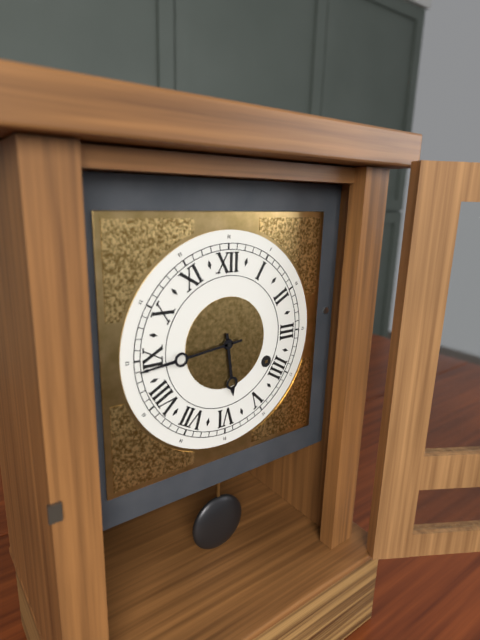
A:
5,44
